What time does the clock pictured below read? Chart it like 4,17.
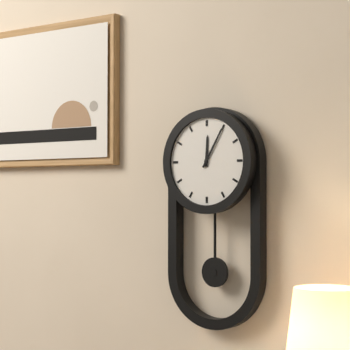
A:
12,05
